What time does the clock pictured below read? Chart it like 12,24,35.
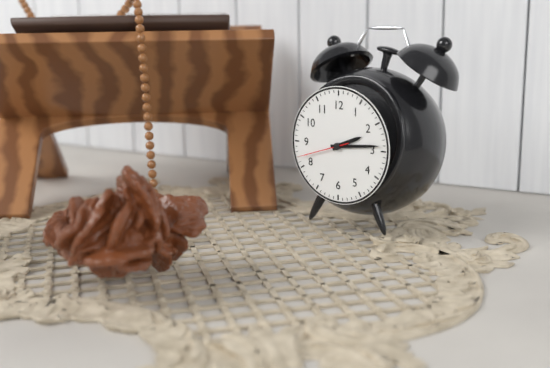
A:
2,14,42
